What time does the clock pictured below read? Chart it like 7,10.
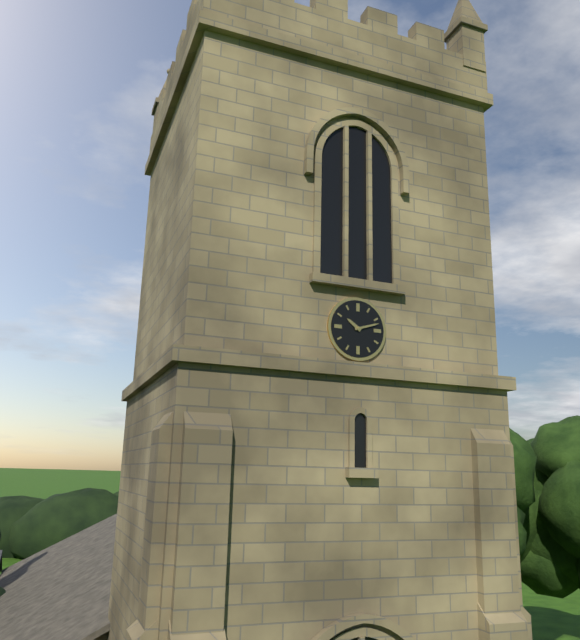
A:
10,12
